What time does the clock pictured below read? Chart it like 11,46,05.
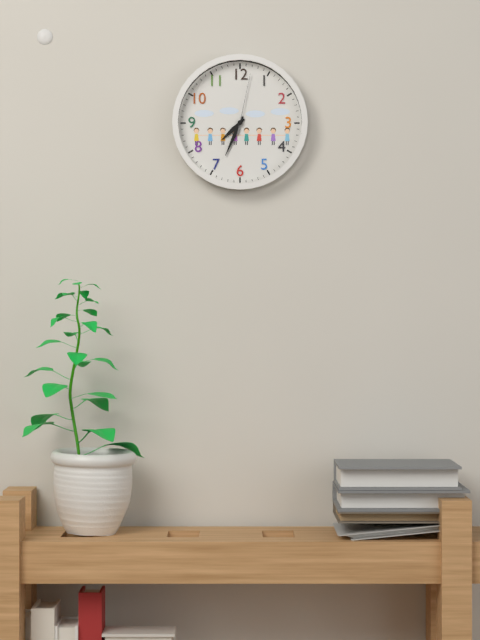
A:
7,34,02
